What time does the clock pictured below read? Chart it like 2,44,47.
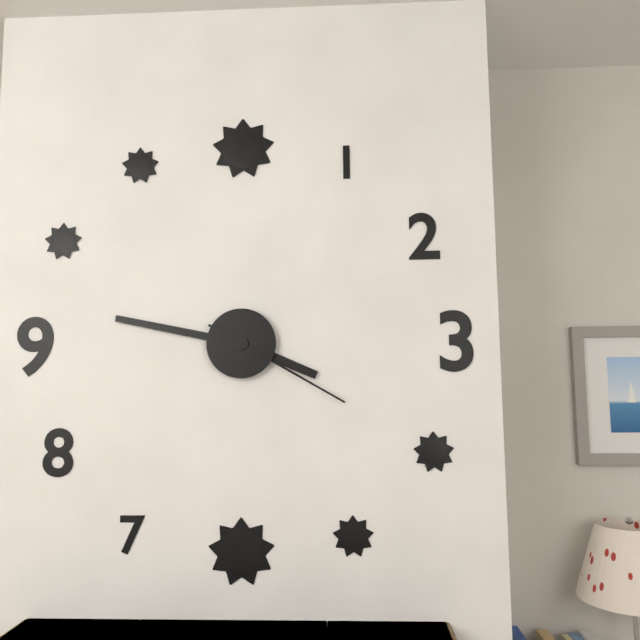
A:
3,47,20
